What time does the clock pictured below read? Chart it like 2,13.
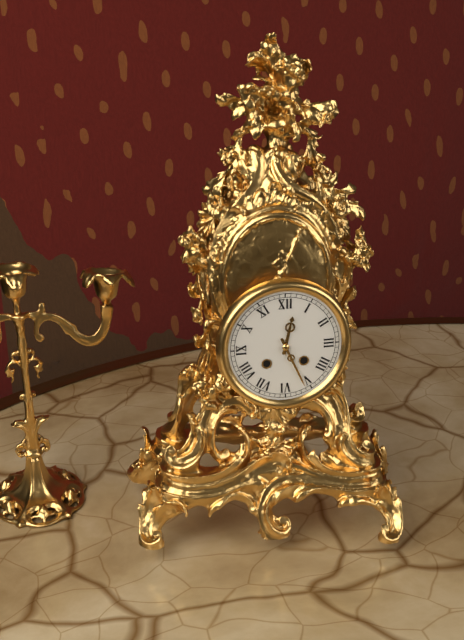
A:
12,26
